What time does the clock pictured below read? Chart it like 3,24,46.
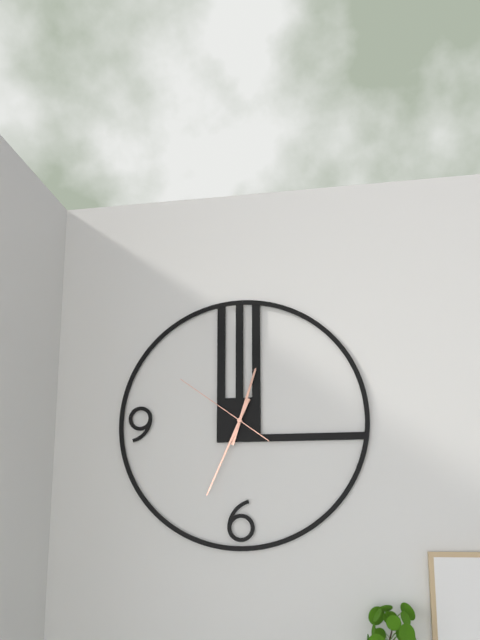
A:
12,34,51
